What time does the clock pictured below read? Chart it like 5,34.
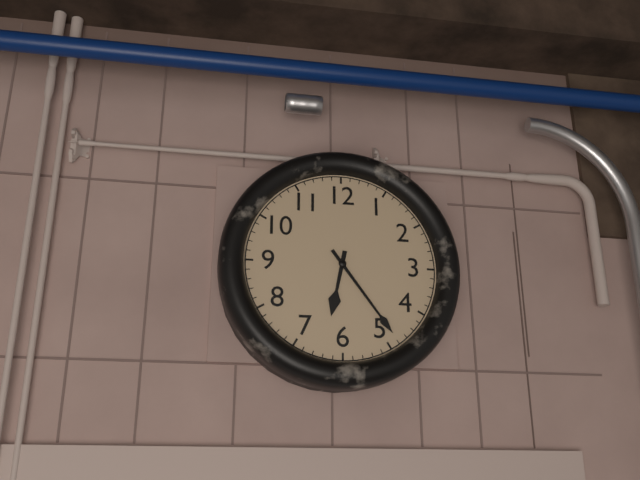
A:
6,24
